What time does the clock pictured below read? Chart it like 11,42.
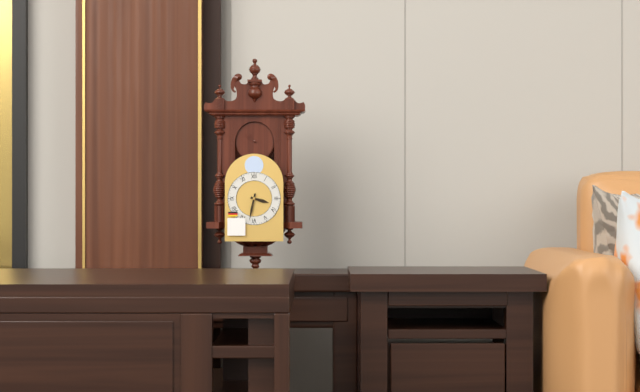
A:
3,32
